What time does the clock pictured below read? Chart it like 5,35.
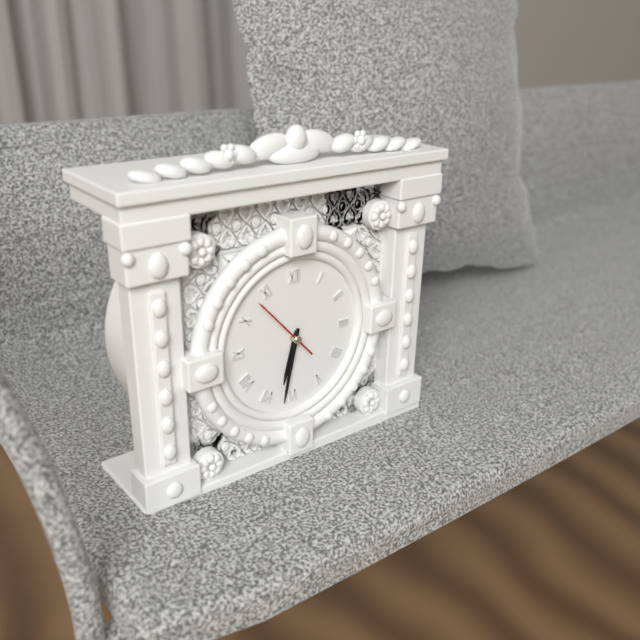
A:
6,32
